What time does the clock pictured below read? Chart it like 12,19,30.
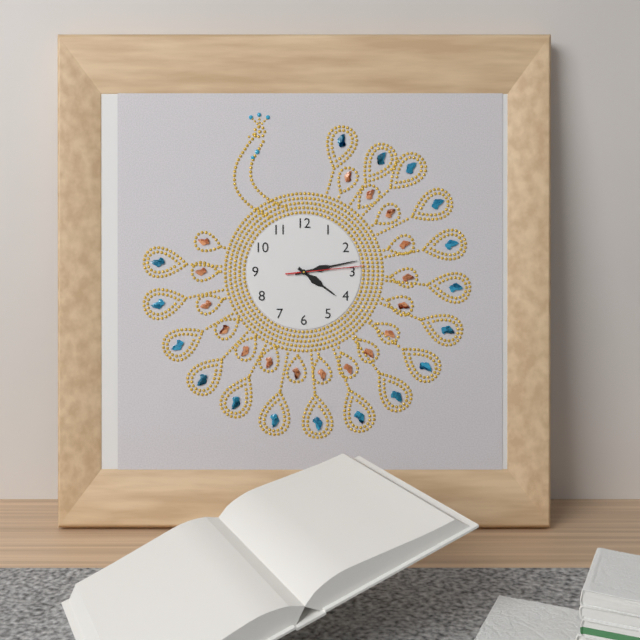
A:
4,13,14
